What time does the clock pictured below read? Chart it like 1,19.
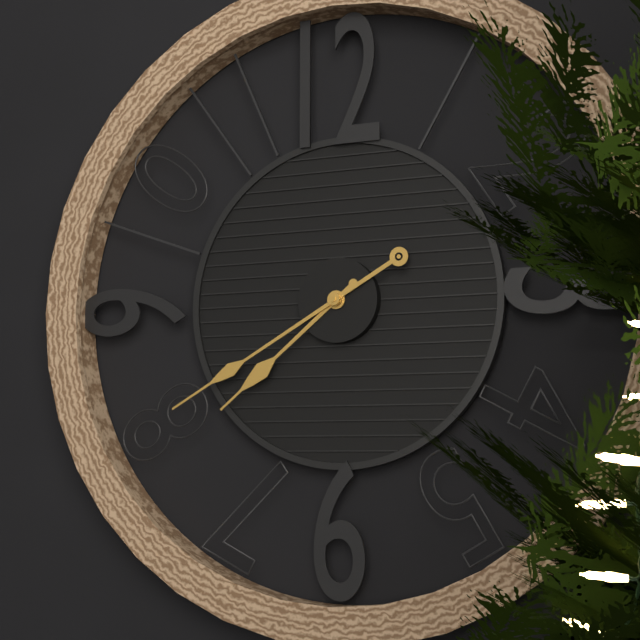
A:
7,40
